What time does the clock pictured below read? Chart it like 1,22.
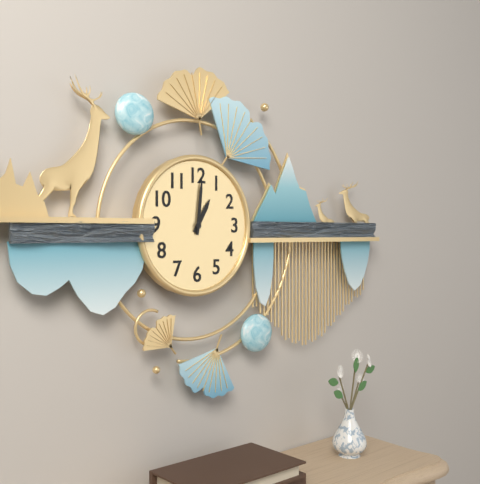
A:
1,01
